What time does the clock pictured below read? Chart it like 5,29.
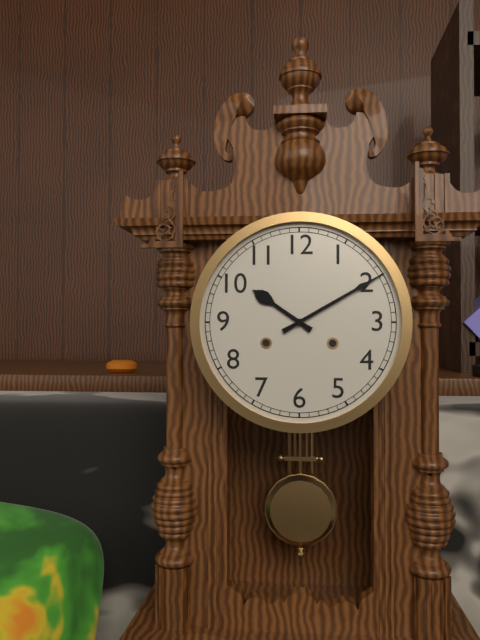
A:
10,10
